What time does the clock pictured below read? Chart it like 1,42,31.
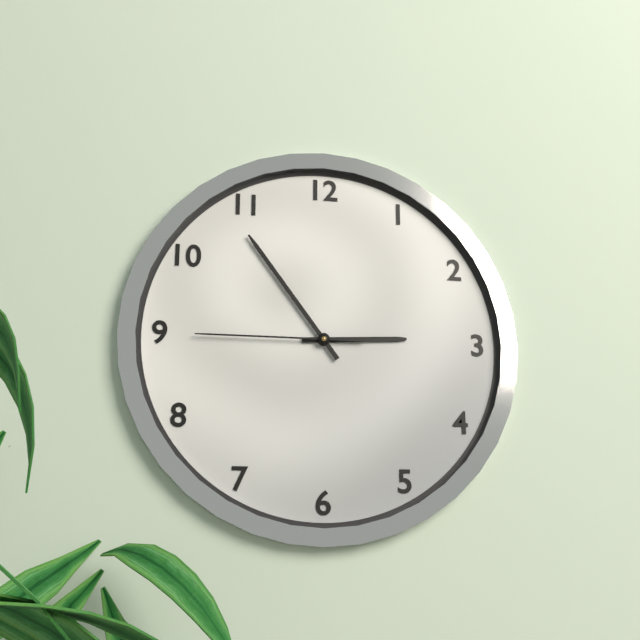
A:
2,54,45
